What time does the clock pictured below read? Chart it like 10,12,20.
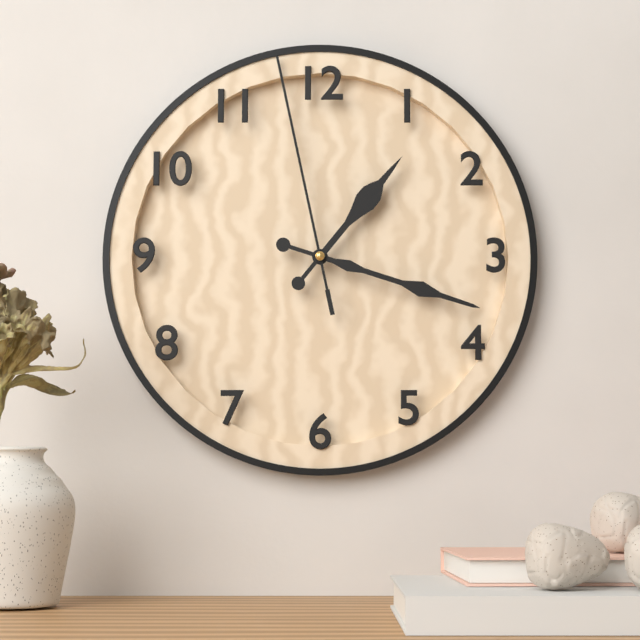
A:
1,18,58
